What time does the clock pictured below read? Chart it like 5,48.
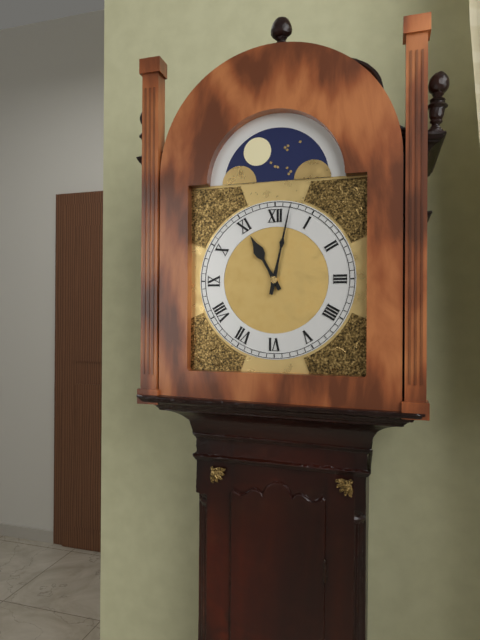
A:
11,02
